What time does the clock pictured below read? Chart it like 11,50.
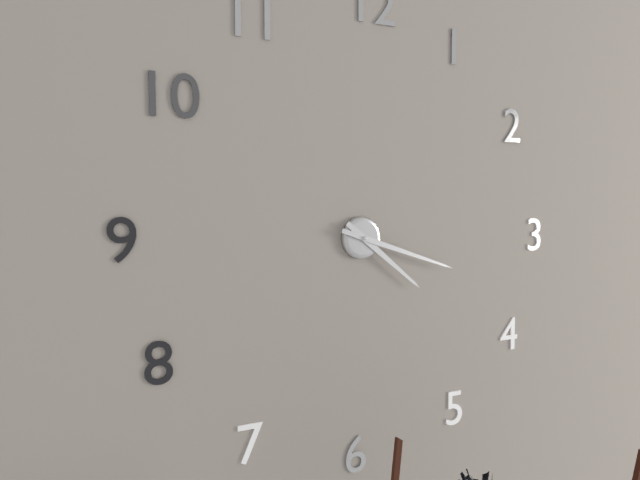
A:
4,18
